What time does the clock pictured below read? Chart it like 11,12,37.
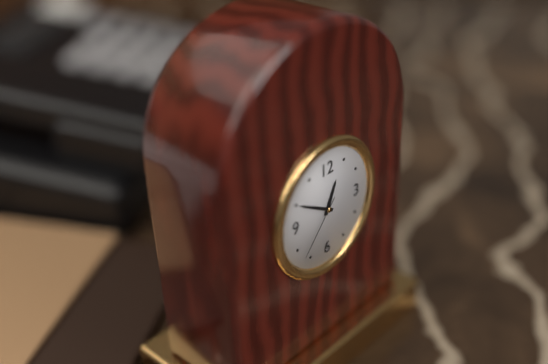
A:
12,50,37
